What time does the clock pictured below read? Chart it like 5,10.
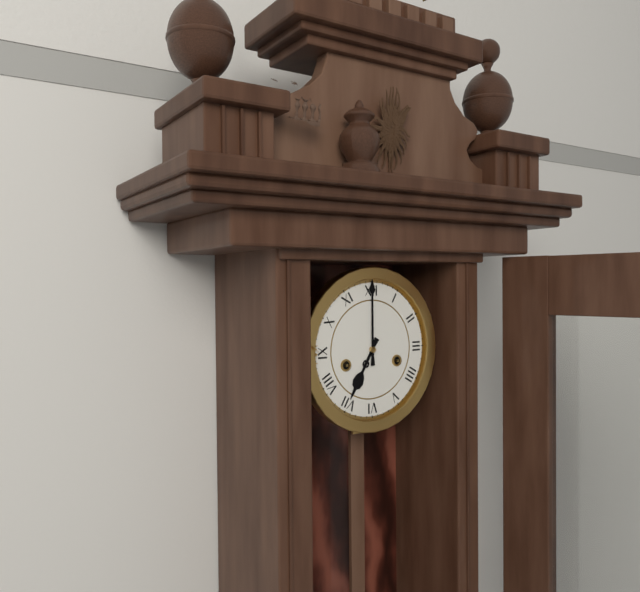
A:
7,00
